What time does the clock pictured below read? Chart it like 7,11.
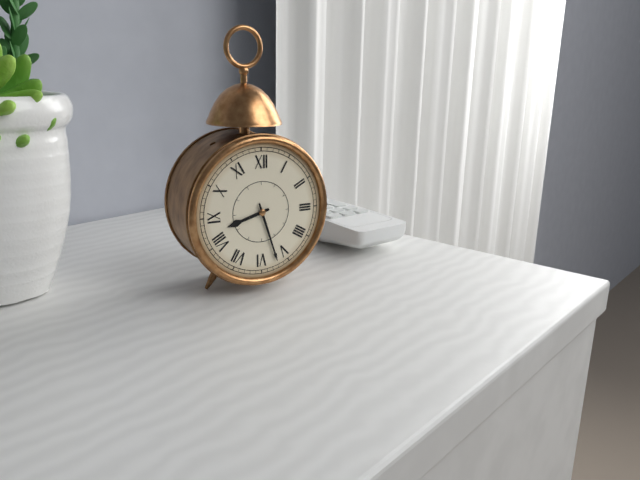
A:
8,27
